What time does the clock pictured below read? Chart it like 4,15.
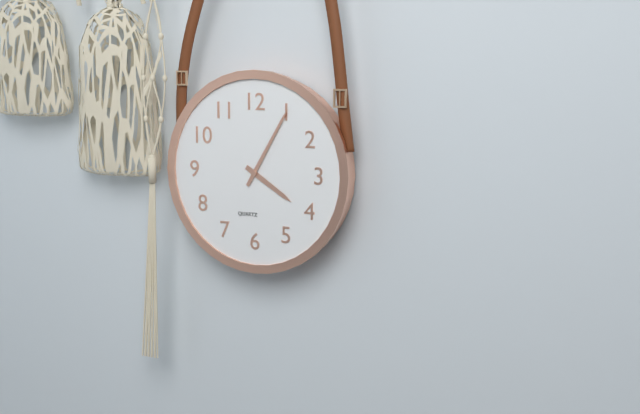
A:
4,05
